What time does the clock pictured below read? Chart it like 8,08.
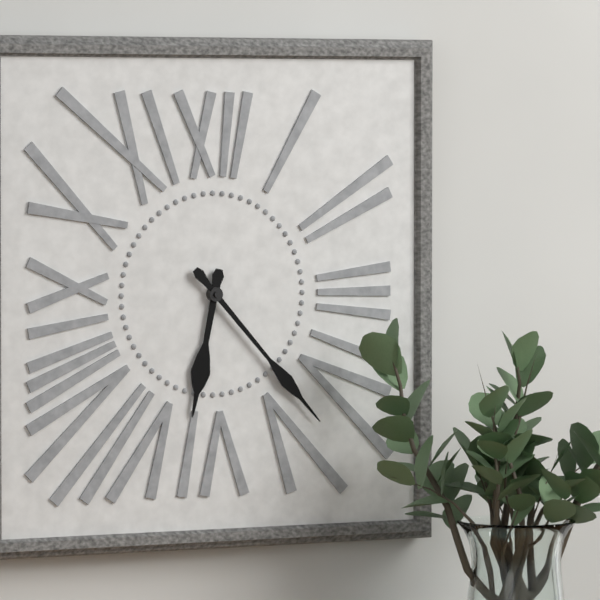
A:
6,23
